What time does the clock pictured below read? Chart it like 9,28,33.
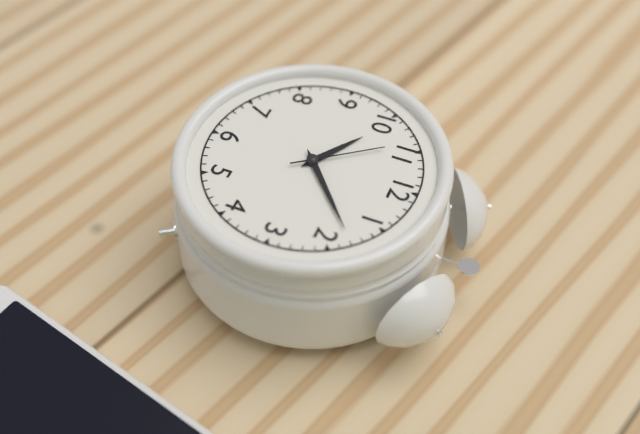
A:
10,08,54
